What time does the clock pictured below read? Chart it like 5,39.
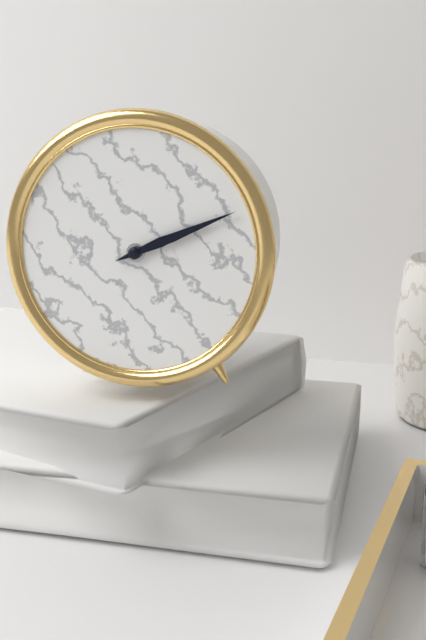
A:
2,11
